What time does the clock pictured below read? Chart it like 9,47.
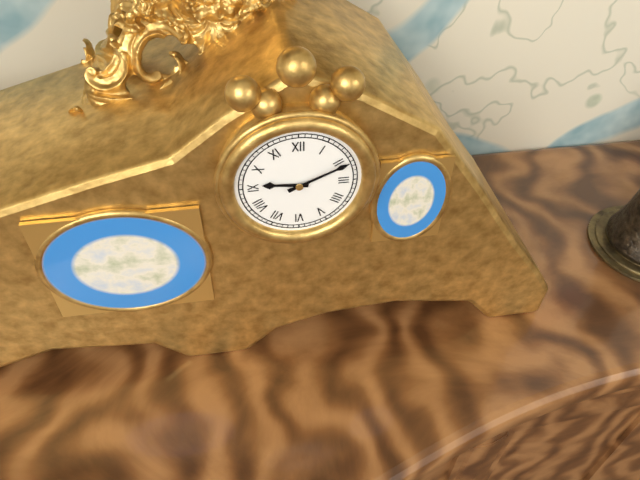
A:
9,11
